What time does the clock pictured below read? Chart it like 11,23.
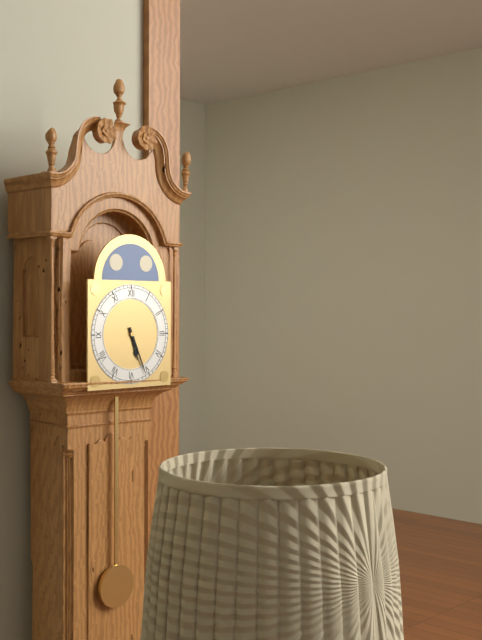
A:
5,26
